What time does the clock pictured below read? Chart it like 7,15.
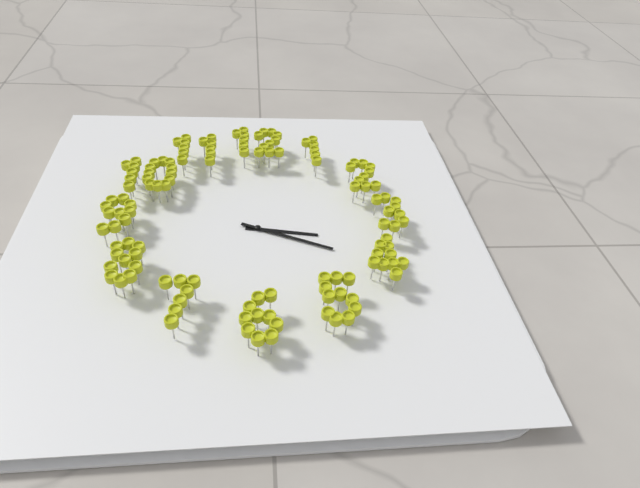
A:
3,19
